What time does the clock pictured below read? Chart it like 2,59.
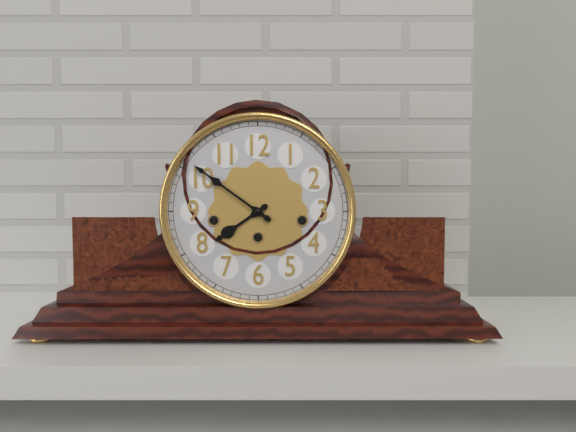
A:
7,51
